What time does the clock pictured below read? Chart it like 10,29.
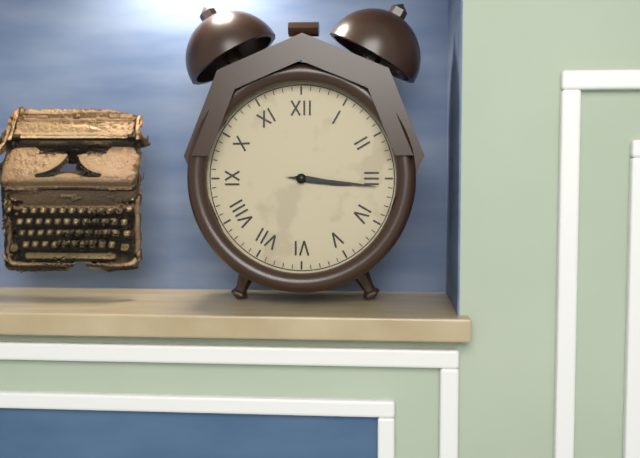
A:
3,16
